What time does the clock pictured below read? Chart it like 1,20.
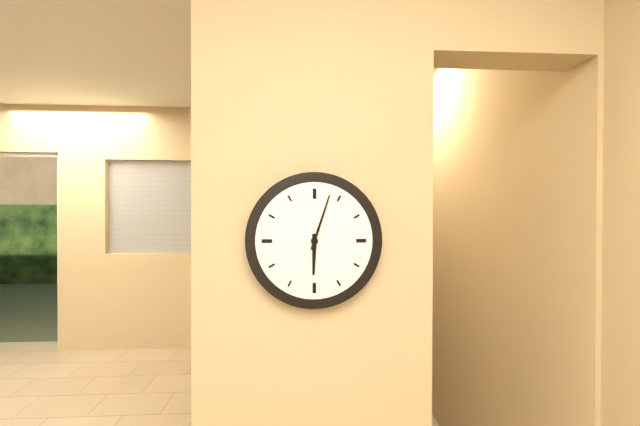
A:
6,03
